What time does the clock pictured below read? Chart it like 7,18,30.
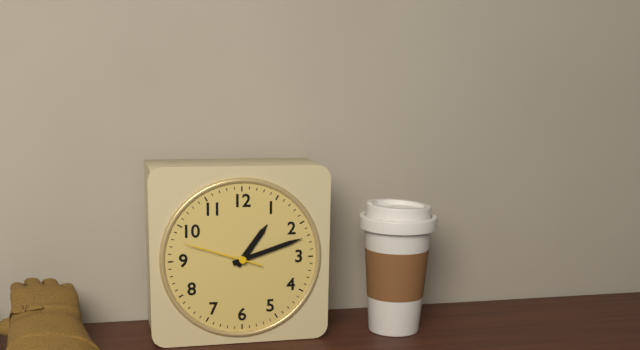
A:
1,12,48
